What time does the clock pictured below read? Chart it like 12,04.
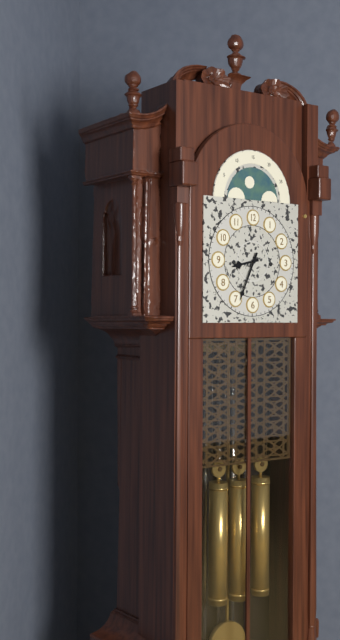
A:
8,34
